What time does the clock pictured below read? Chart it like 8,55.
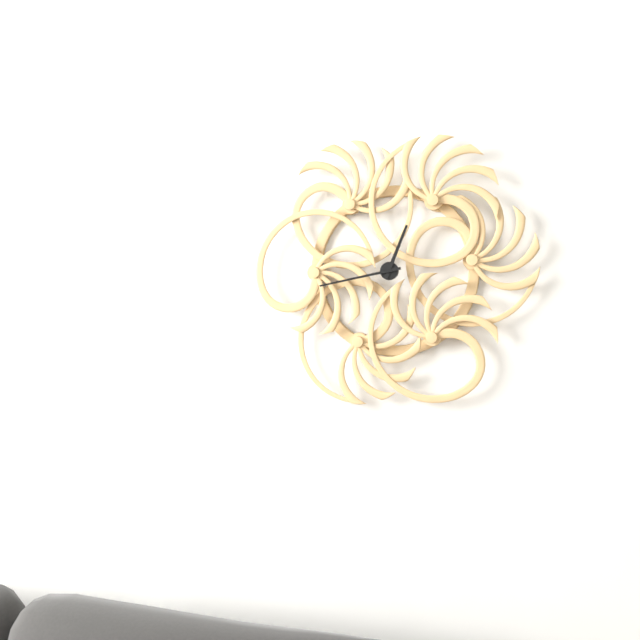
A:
12,43
